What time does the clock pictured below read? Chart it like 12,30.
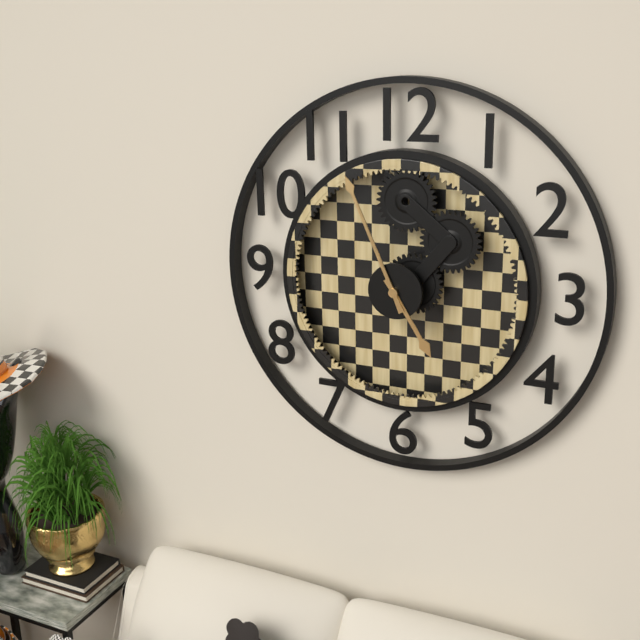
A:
4,56
